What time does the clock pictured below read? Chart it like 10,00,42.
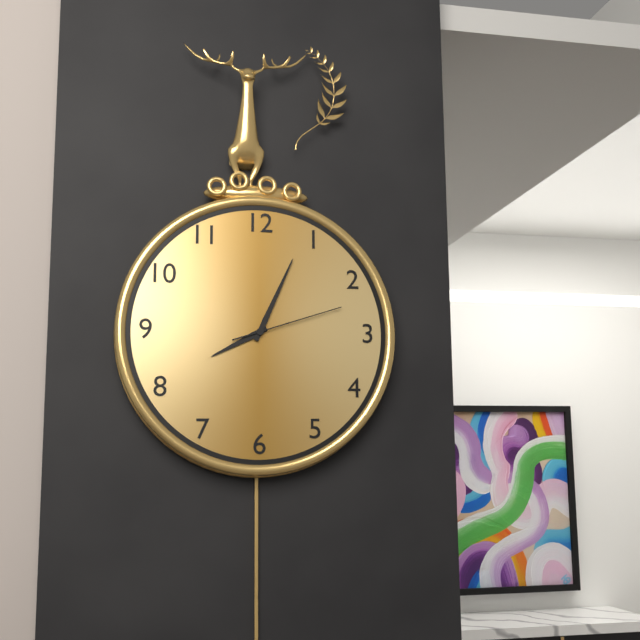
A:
8,04,12
